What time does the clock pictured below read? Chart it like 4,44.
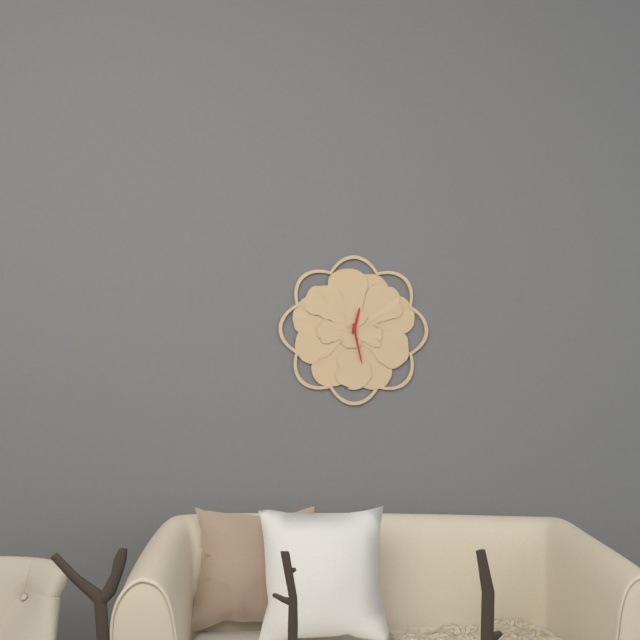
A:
12,28
